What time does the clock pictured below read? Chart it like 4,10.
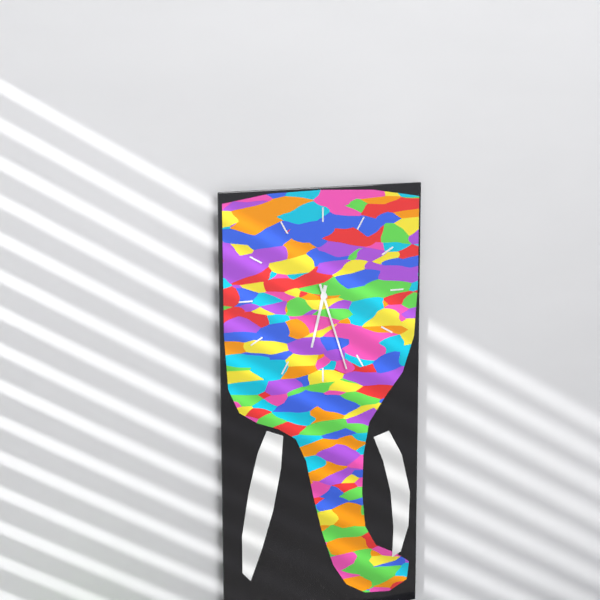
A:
6,27
